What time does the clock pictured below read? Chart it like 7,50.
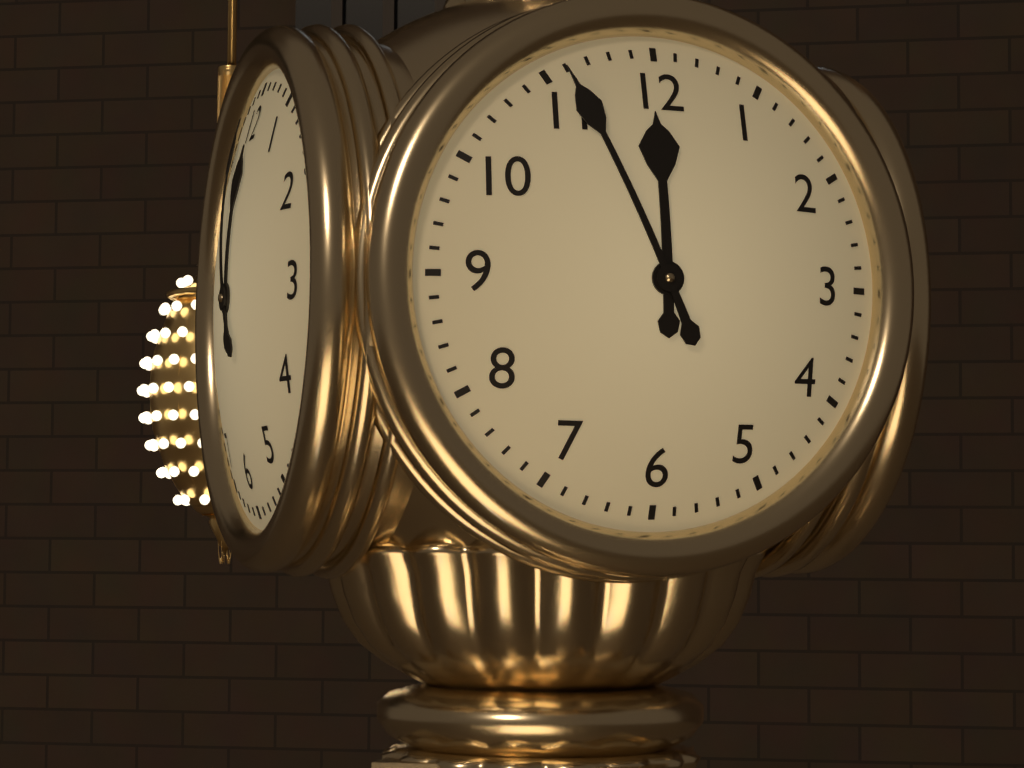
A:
11,56
